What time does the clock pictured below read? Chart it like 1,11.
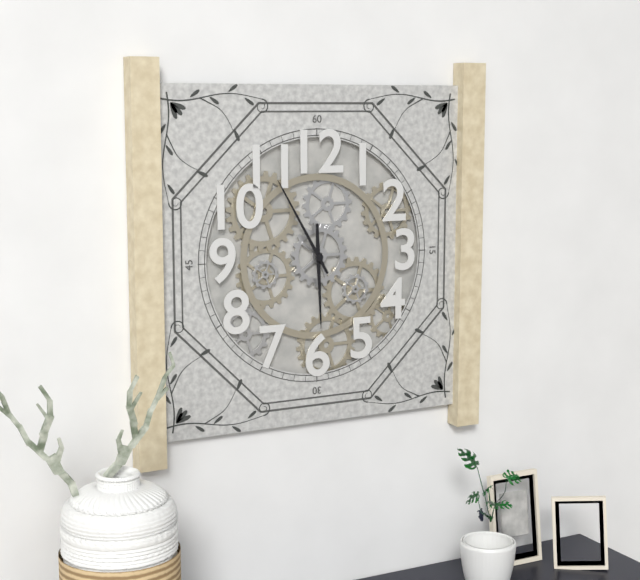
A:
5,55
